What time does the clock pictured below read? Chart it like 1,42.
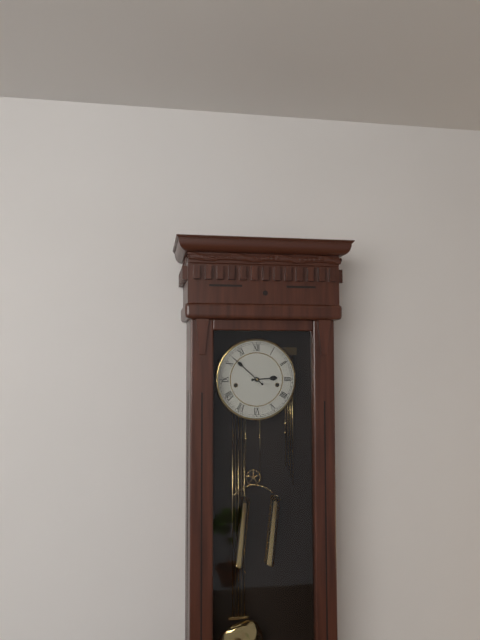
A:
2,52
